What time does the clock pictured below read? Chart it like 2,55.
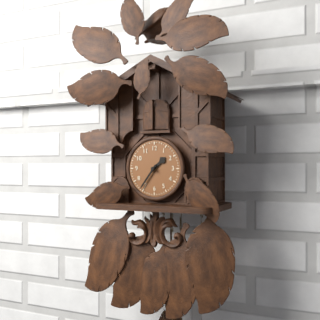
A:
1,36
